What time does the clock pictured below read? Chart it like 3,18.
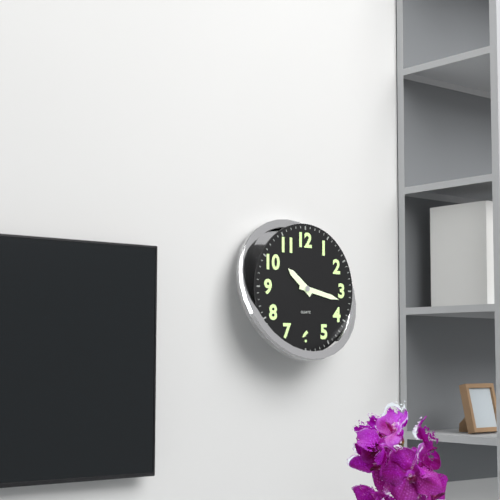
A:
10,17
